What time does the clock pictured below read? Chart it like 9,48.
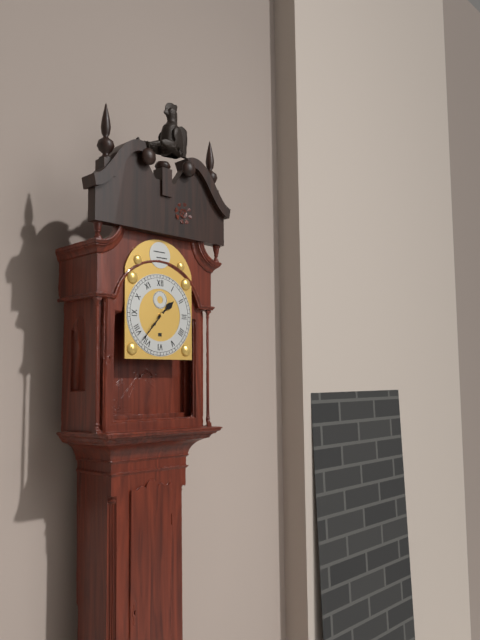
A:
1,37
